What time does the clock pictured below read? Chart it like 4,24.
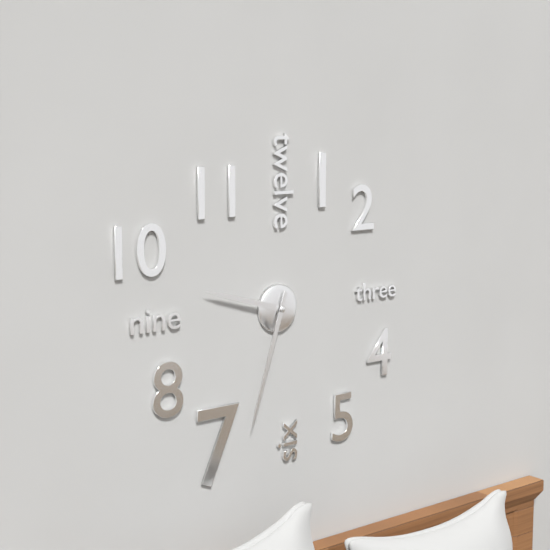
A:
9,33
